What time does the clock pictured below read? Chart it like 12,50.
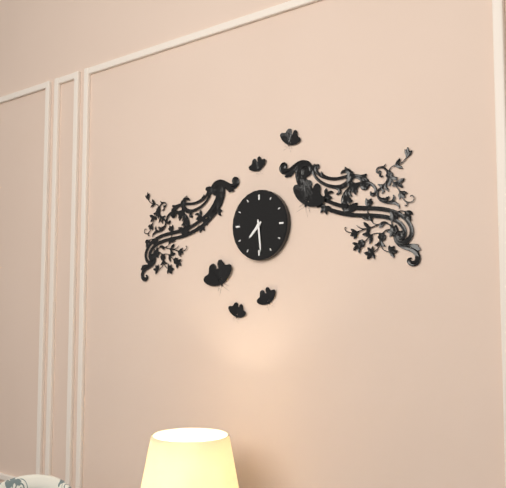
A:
7,29
